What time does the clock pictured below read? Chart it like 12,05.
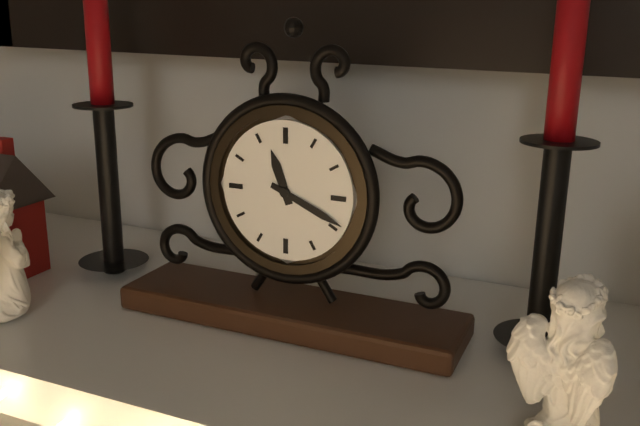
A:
11,19
